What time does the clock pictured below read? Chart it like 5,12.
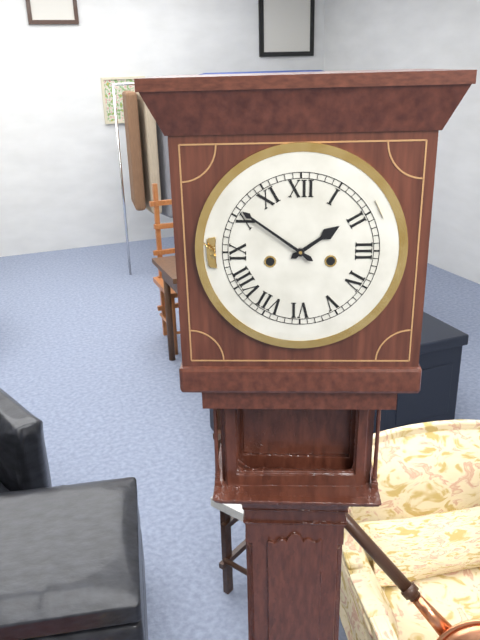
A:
1,51
